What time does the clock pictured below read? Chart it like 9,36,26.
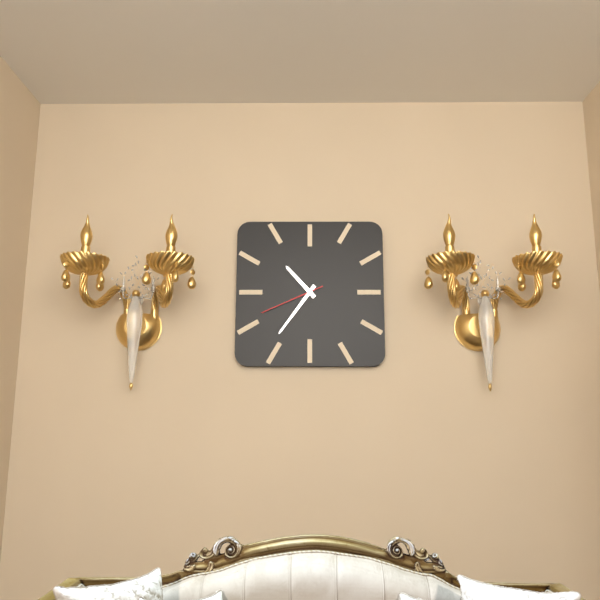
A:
10,36,41
